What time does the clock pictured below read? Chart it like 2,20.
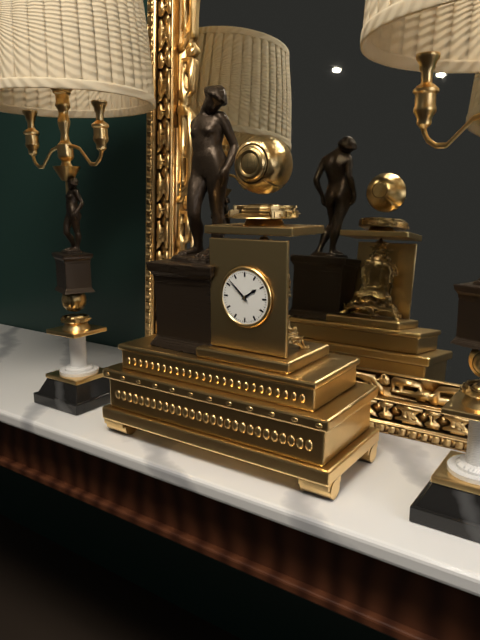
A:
1,52
